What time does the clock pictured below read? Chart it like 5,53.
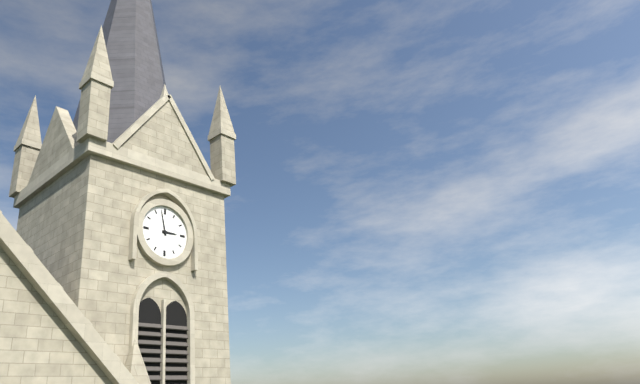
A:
2,58
